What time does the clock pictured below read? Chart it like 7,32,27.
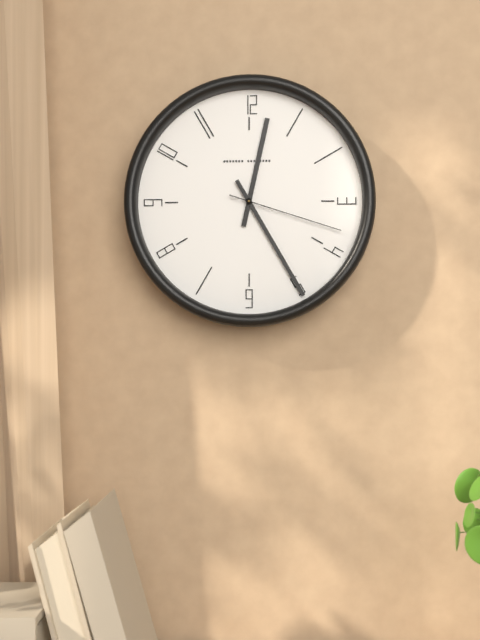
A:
12,25,18
